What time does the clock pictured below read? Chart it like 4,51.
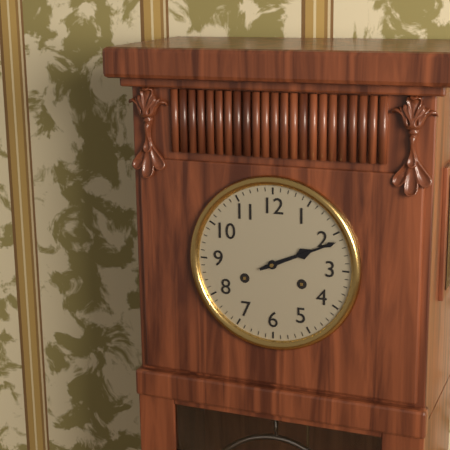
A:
2,11
